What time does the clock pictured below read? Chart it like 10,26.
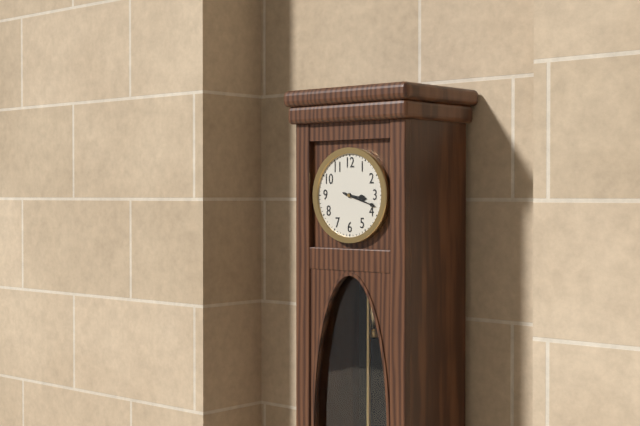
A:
3,18
